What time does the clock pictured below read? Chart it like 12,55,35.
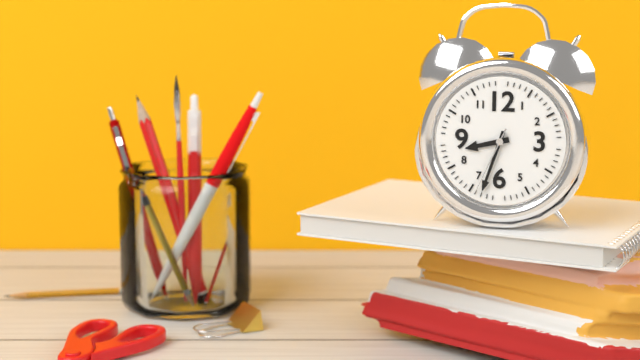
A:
8,33,34
